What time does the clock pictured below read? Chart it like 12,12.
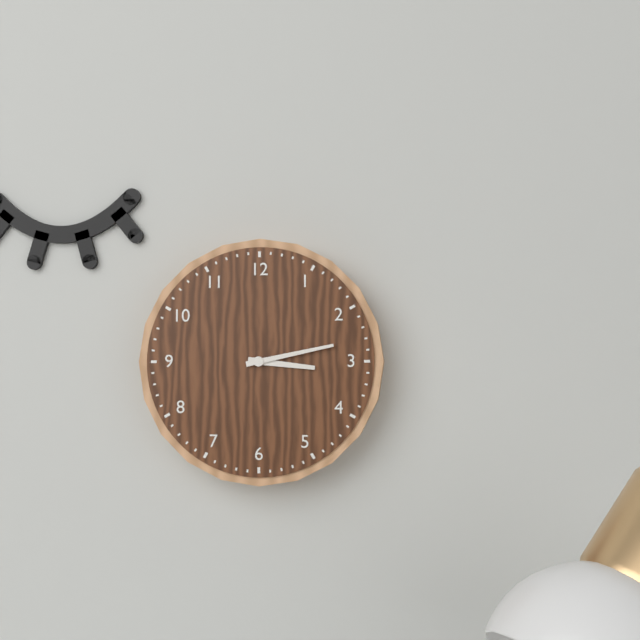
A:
3,13
